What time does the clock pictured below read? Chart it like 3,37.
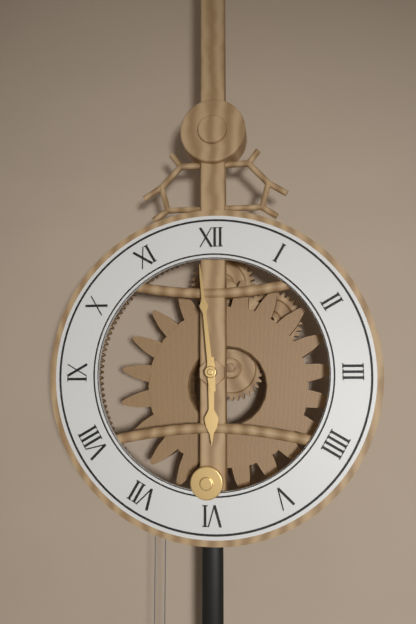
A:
5,59
